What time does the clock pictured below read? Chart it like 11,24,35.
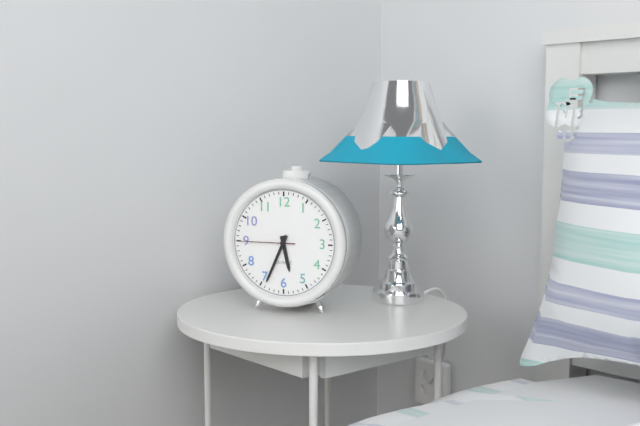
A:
5,34,45
